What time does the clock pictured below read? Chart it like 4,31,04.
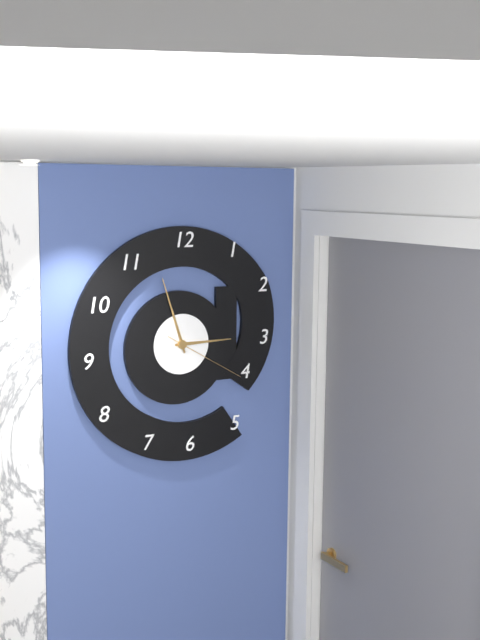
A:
2,57,20
